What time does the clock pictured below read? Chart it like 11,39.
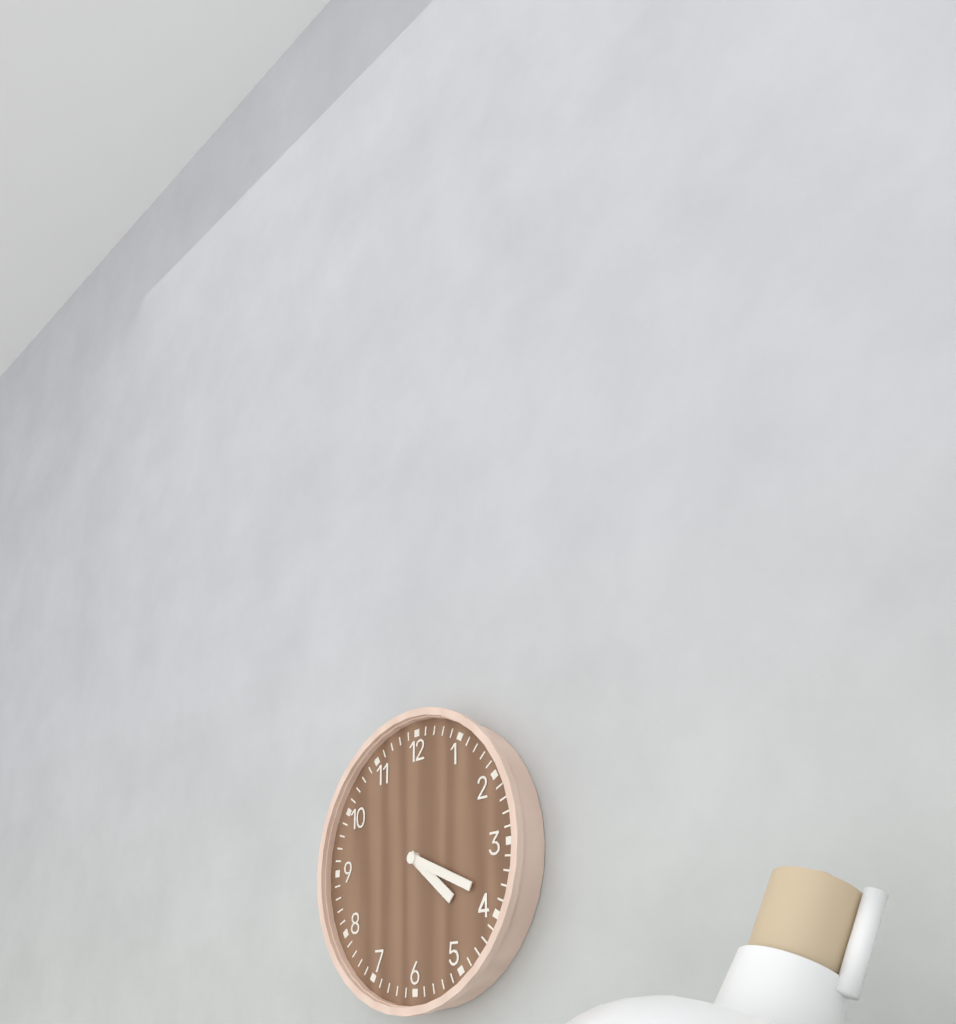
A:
4,19
